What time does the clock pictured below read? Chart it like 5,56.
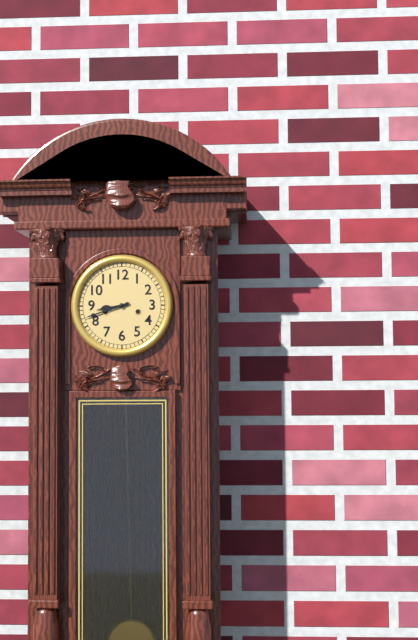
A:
8,42
